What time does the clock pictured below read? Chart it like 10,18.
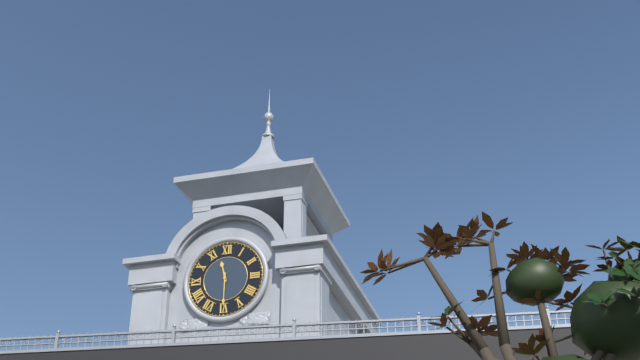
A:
11,30
